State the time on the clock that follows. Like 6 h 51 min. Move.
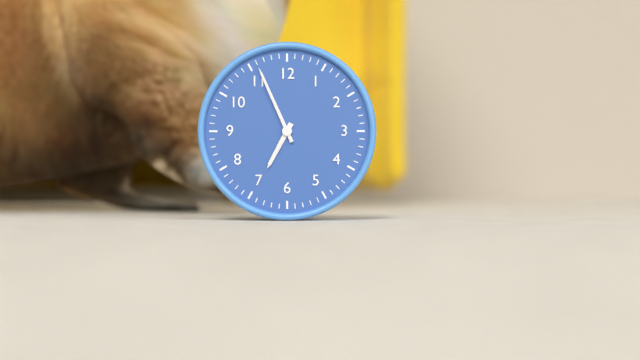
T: 6 h 56 min
